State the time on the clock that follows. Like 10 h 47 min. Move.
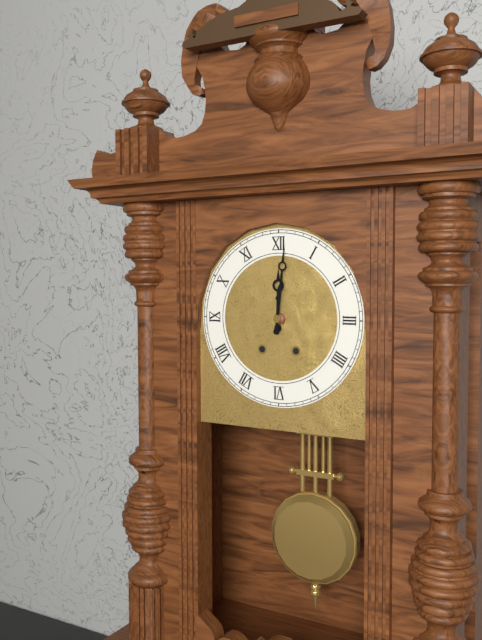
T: 12 h 01 min
